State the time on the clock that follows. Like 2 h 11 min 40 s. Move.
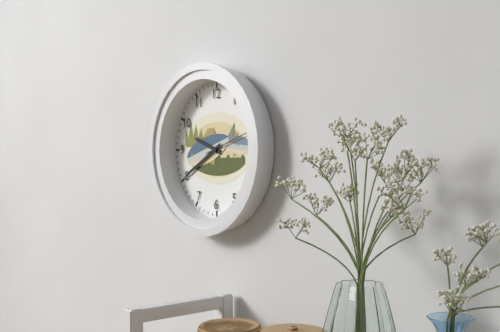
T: 9 h 40 min 12 s
